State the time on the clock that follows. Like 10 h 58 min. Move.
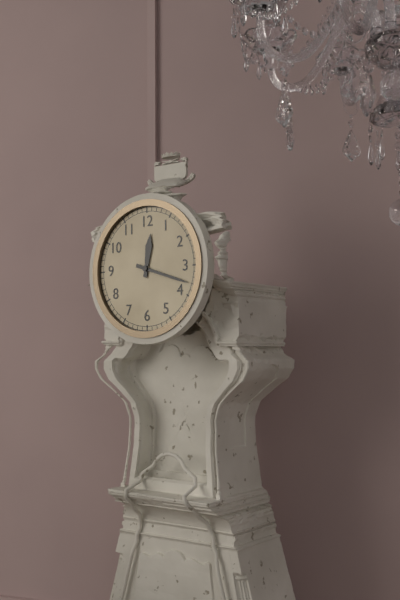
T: 12 h 18 min
